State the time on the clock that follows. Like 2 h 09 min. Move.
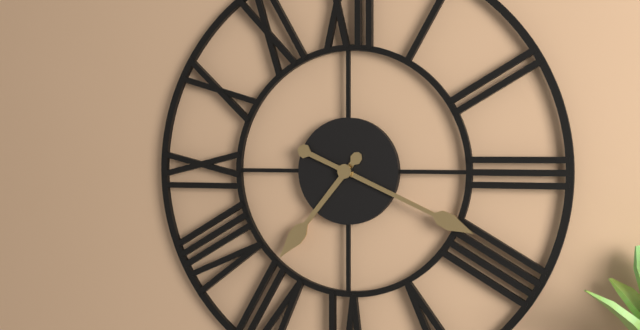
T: 7 h 19 min
